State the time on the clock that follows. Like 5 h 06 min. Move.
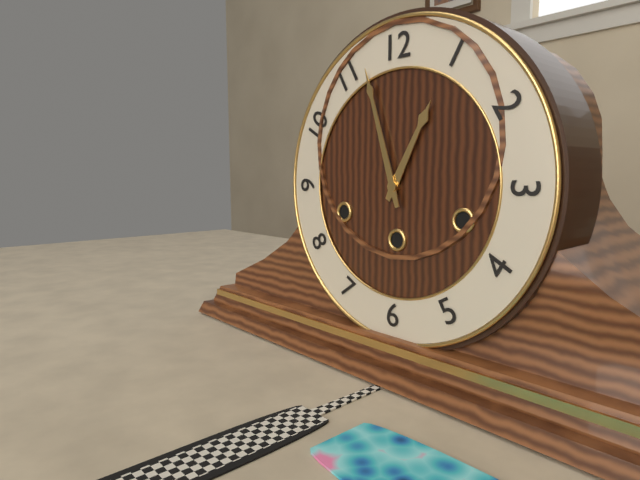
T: 12 h 57 min
